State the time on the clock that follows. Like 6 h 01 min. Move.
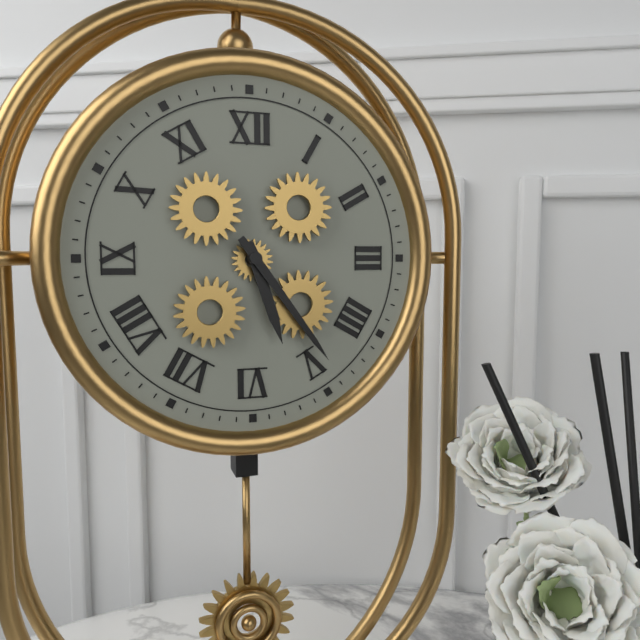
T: 5 h 24 min
